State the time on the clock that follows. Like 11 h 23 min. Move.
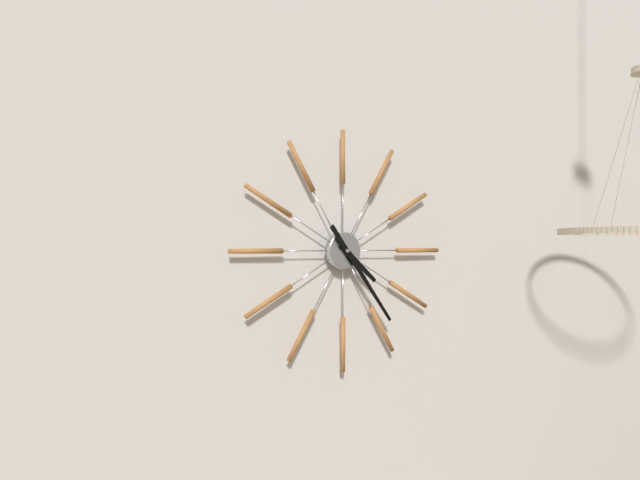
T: 4 h 24 min
